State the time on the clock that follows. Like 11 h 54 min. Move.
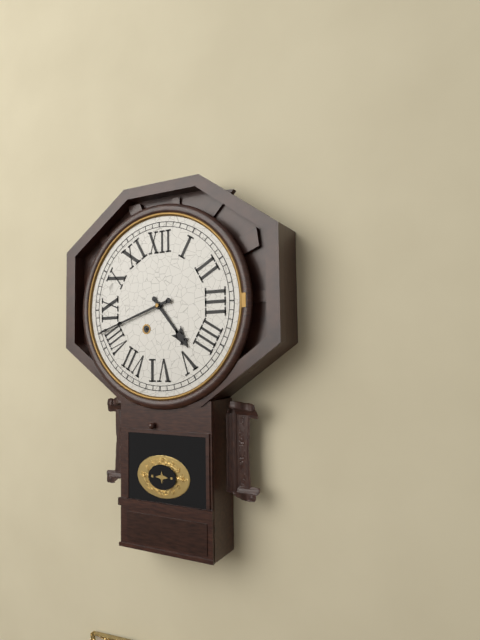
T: 4 h 42 min
